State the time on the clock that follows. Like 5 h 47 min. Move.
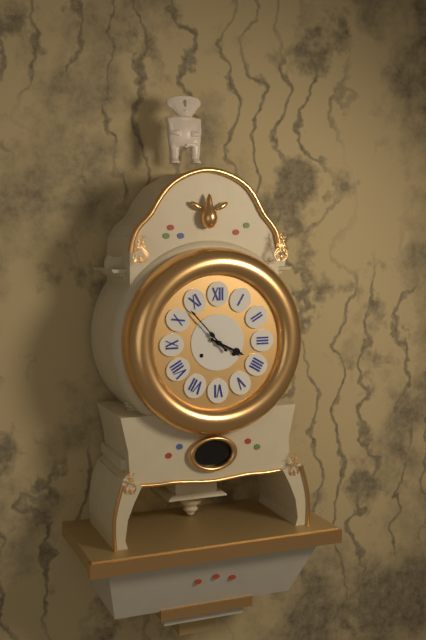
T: 3 h 53 min
